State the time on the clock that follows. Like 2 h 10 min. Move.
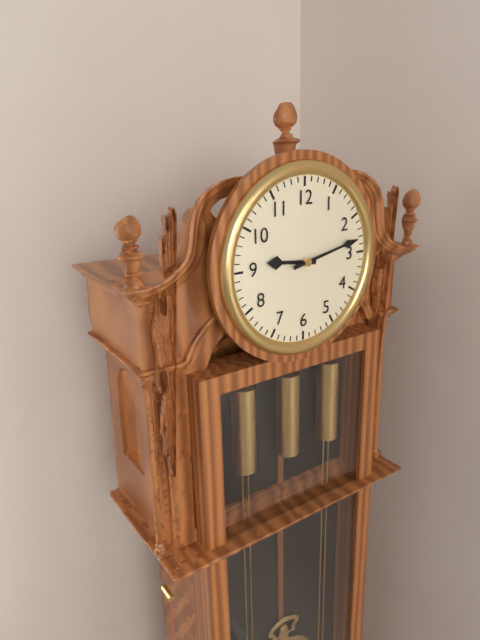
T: 9 h 13 min
